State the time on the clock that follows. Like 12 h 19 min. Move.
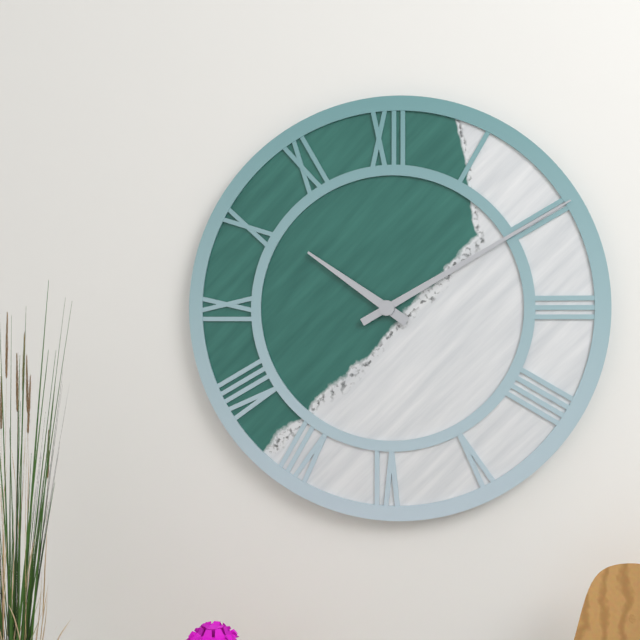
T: 10 h 10 min
